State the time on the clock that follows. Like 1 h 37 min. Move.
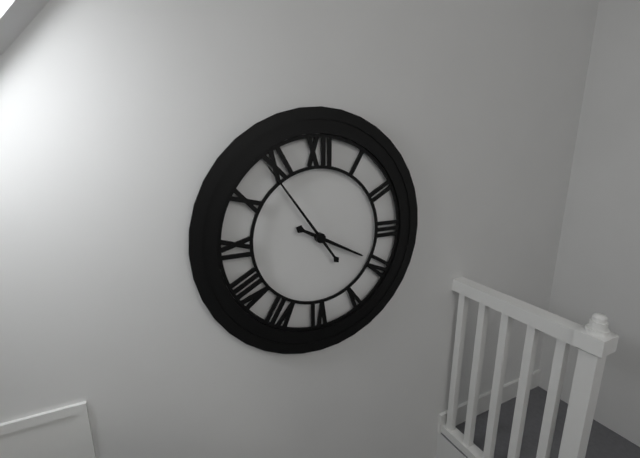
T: 3 h 54 min
